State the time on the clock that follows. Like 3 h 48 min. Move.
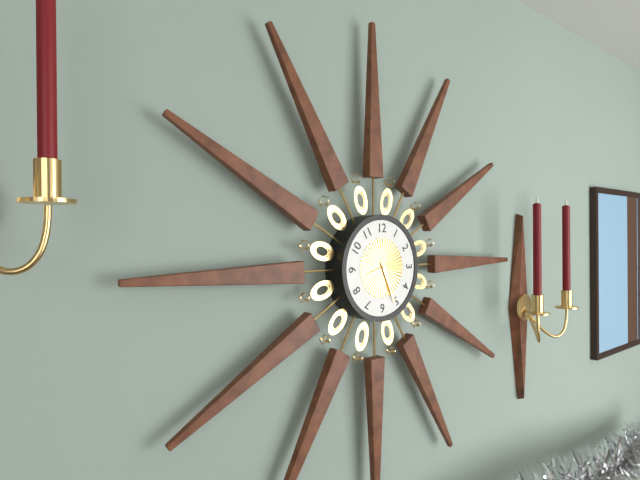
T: 8 h 26 min
